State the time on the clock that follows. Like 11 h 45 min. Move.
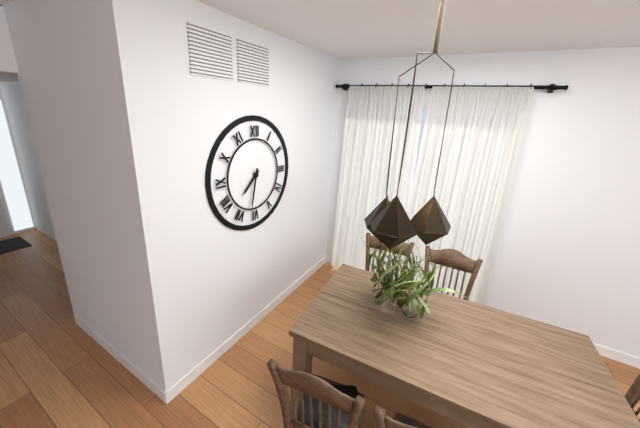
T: 7 h 32 min
